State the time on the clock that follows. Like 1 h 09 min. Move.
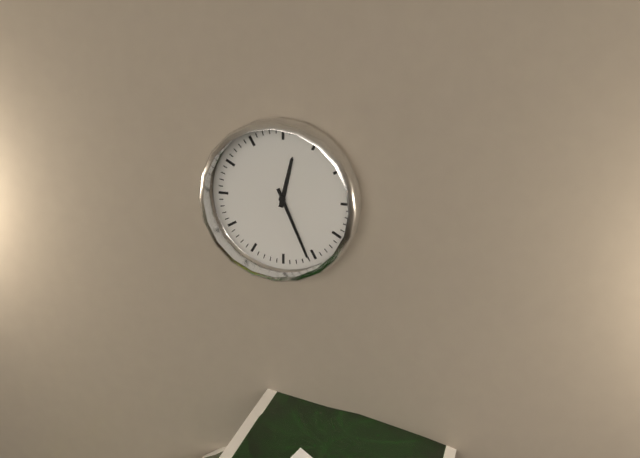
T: 12 h 26 min
